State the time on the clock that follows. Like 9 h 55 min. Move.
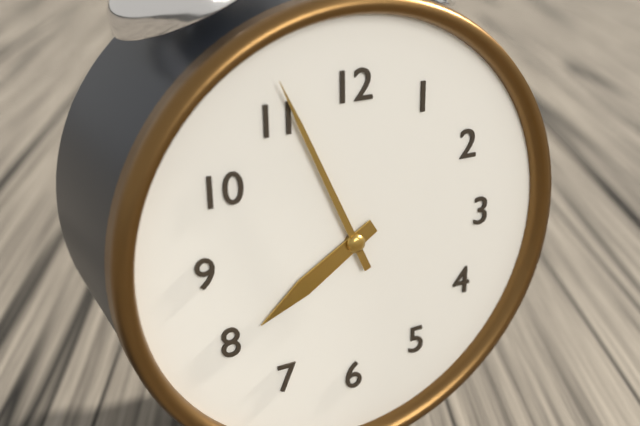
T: 7 h 56 min
